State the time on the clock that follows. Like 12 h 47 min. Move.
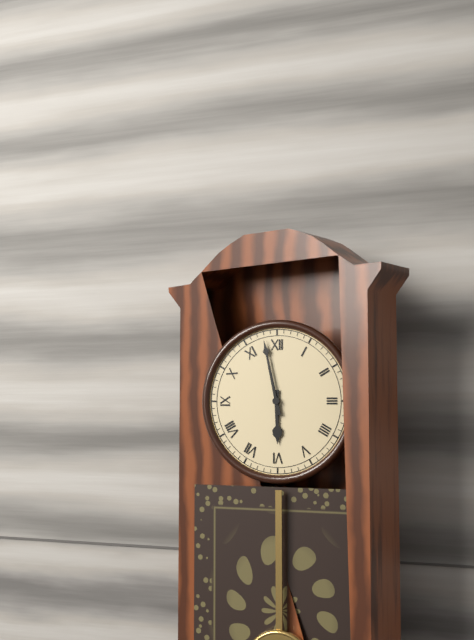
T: 5 h 58 min
